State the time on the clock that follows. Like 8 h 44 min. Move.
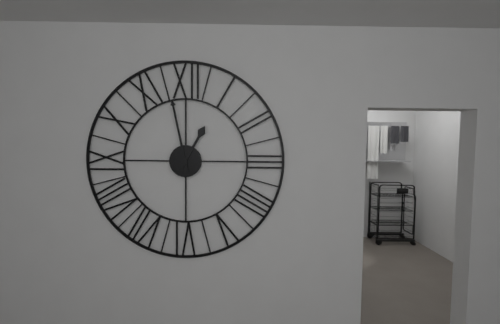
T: 12 h 58 min
